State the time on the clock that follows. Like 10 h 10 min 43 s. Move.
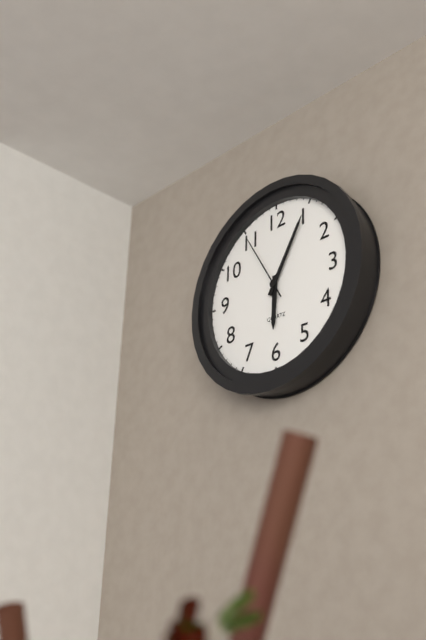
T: 6 h 05 min 55 s
